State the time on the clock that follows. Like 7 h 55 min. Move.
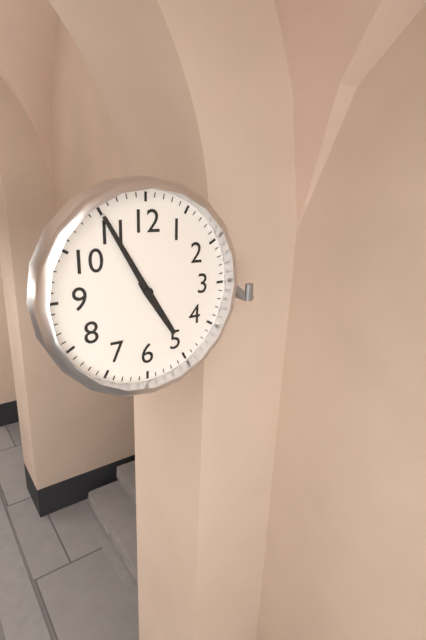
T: 4 h 55 min
